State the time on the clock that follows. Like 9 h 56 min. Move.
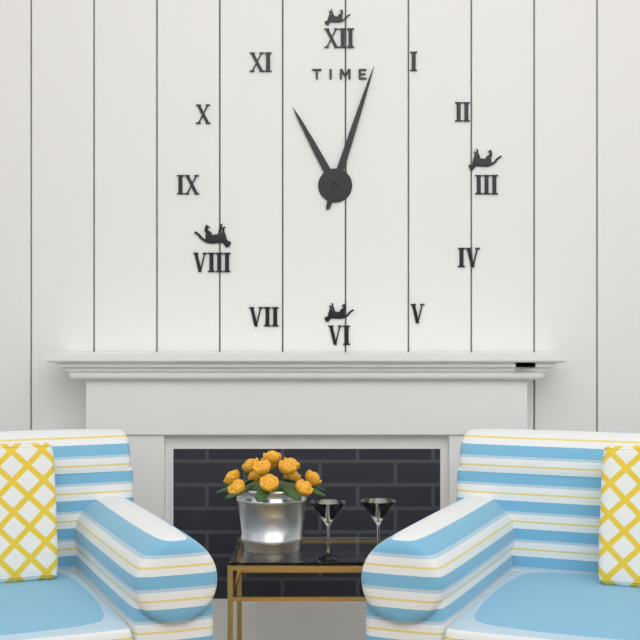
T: 11 h 03 min
